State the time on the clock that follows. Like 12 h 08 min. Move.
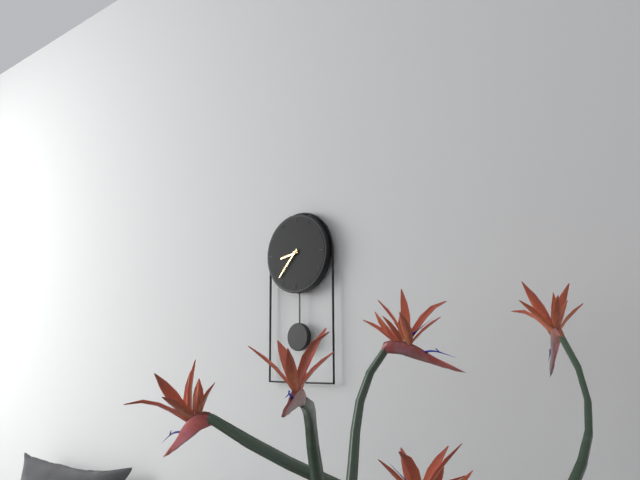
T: 8 h 37 min
